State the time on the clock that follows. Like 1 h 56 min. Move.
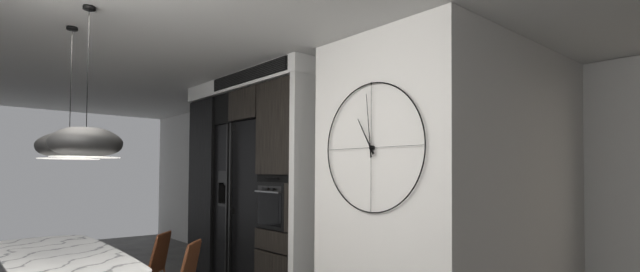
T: 10 h 59 min
